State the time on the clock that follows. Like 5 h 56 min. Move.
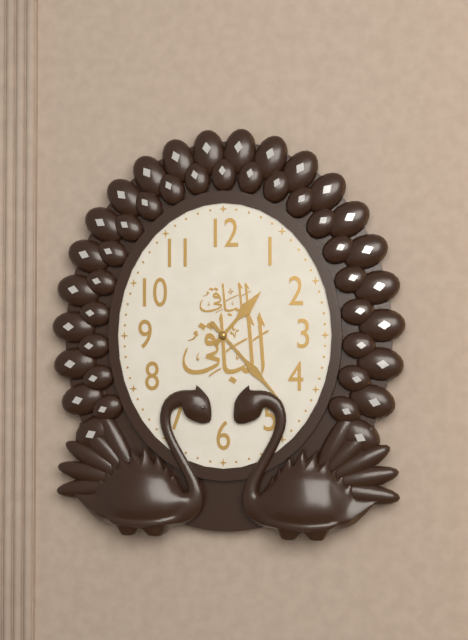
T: 1 h 23 min
